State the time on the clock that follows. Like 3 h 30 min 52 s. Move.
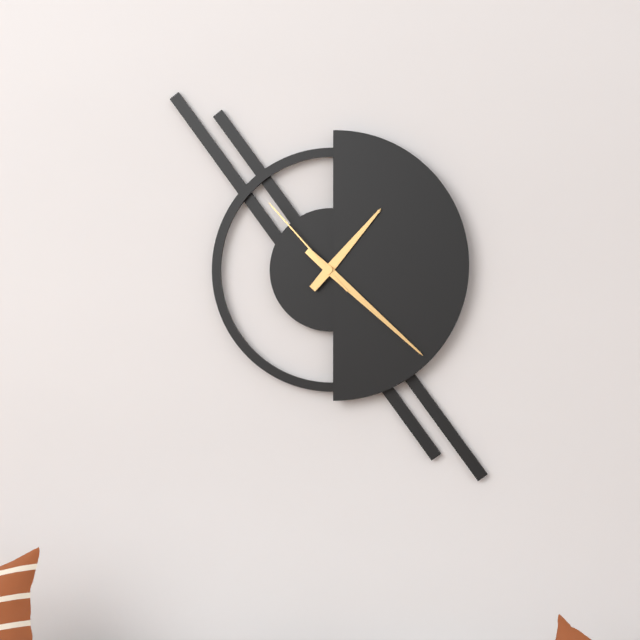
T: 1 h 22 min 53 s
